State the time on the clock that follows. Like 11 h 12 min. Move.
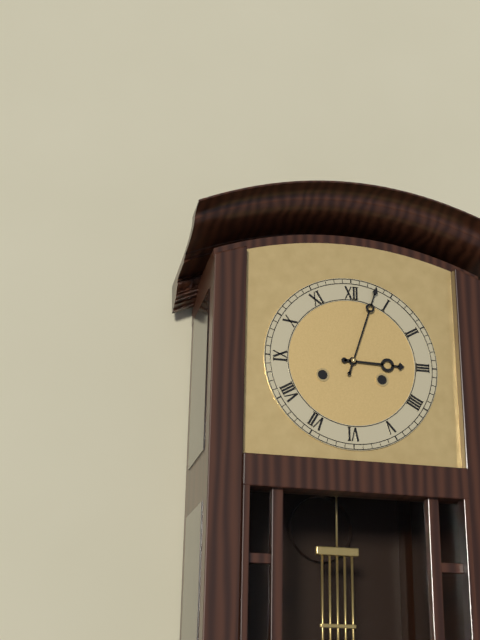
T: 3 h 03 min
